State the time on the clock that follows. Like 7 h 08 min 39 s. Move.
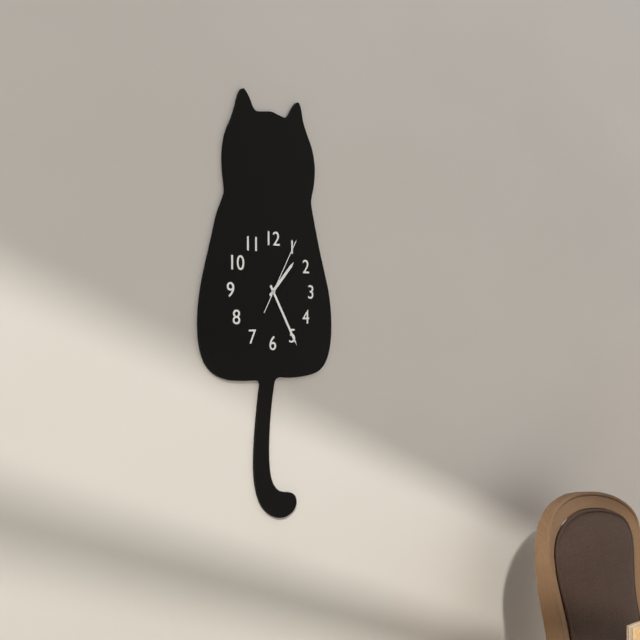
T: 1 h 25 min 05 s
